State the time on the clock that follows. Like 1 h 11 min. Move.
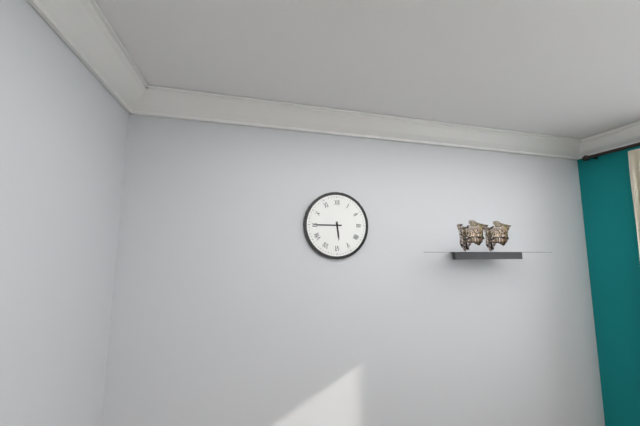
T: 5 h 45 min
